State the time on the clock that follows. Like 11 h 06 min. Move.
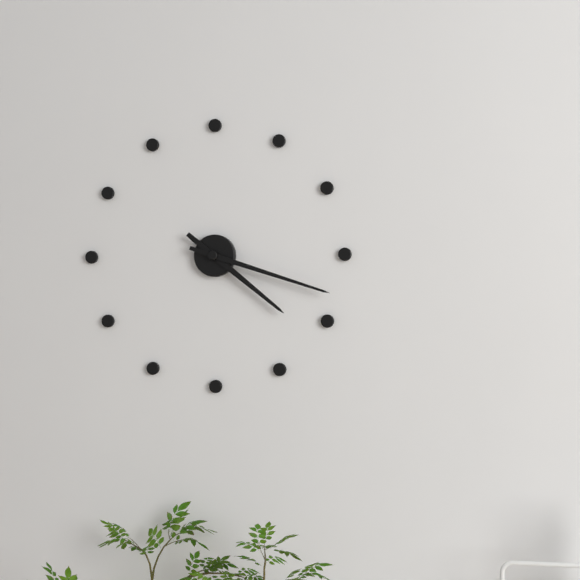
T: 4 h 18 min
